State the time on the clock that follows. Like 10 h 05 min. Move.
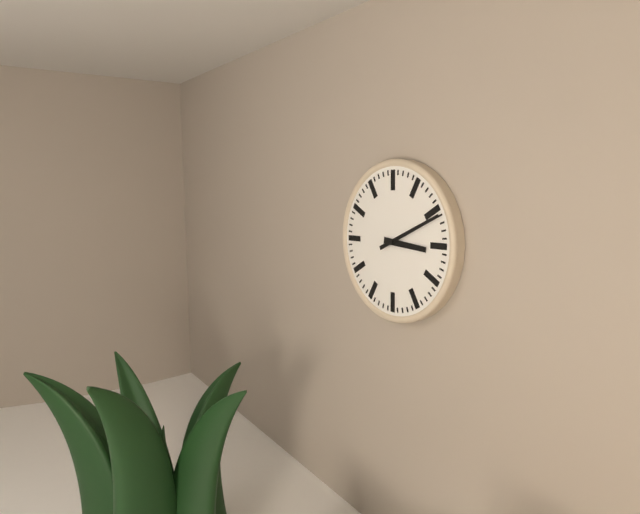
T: 3 h 11 min
